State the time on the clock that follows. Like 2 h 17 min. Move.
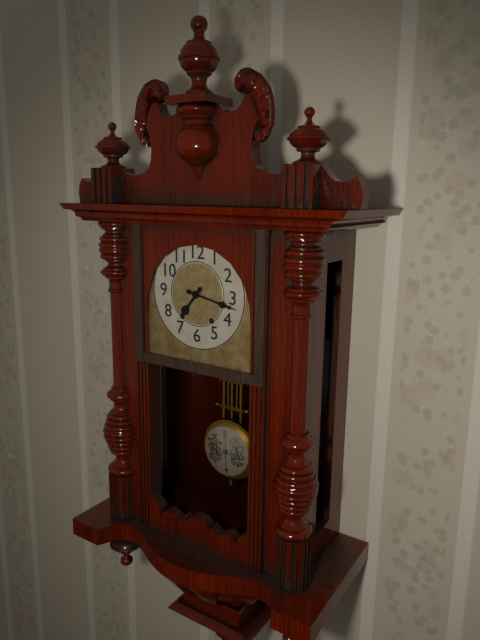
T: 7 h 17 min
